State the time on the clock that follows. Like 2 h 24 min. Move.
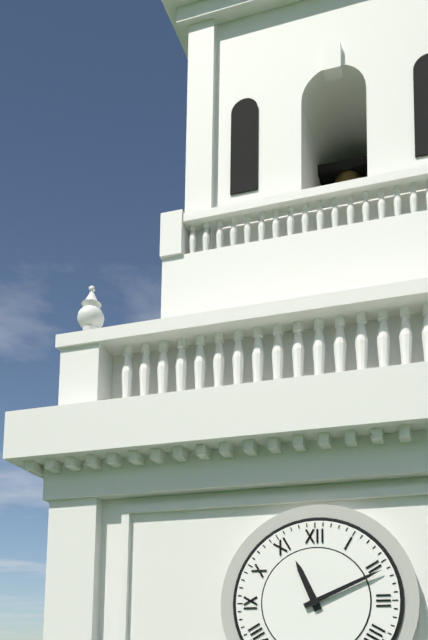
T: 11 h 11 min
